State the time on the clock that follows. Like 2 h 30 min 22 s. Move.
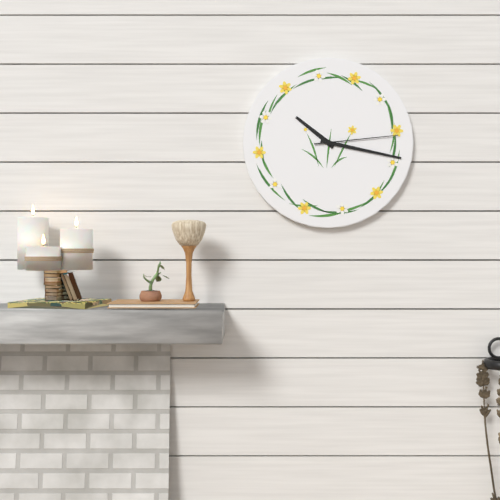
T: 10 h 17 min 14 s
